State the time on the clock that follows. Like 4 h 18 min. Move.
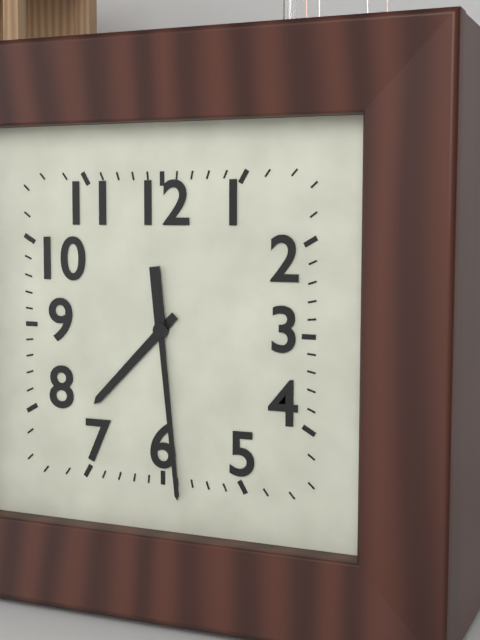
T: 7 h 29 min
